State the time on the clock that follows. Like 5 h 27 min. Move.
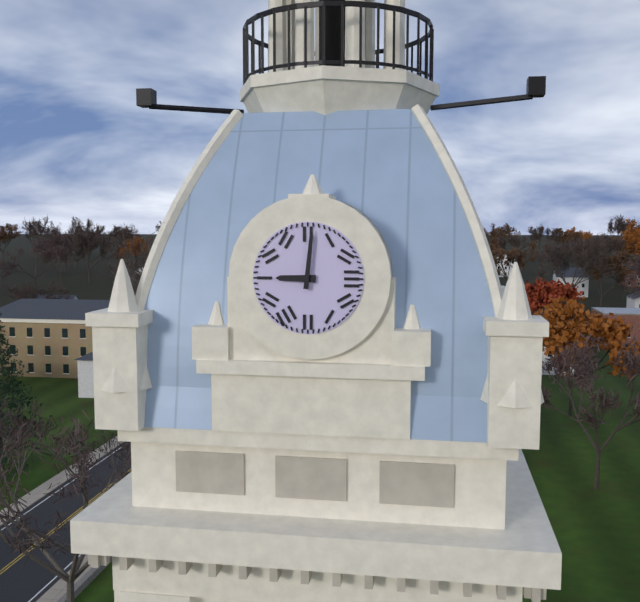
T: 9 h 01 min
